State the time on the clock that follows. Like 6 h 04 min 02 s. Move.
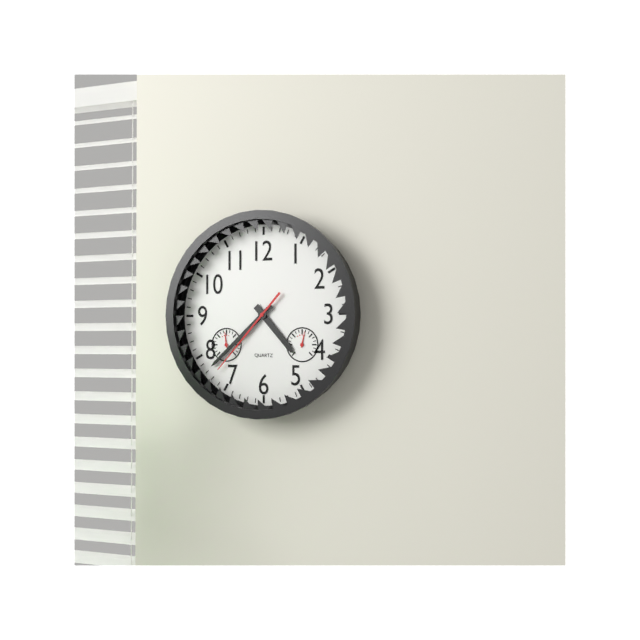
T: 4 h 38 min 37 s
